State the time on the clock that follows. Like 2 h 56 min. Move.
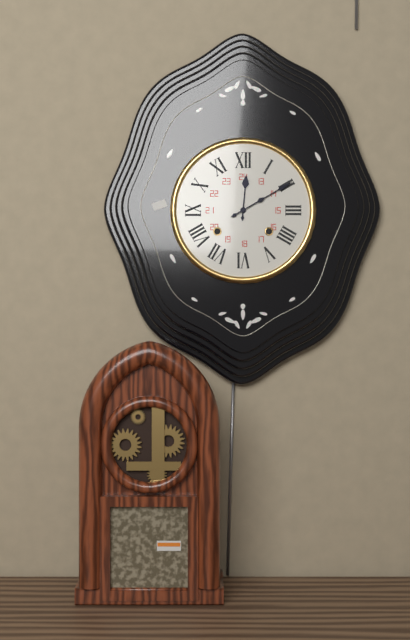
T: 12 h 10 min
